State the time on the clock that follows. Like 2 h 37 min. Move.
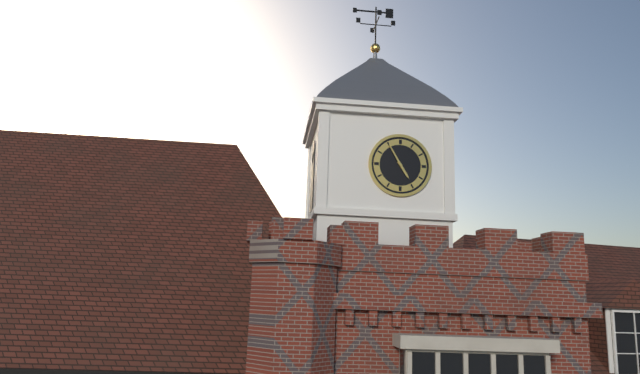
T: 4 h 55 min
